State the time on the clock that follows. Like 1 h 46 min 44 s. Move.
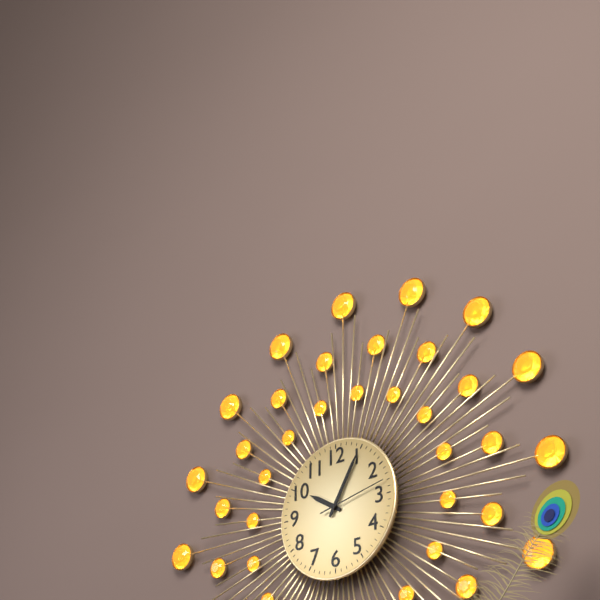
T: 10 h 05 min 13 s
